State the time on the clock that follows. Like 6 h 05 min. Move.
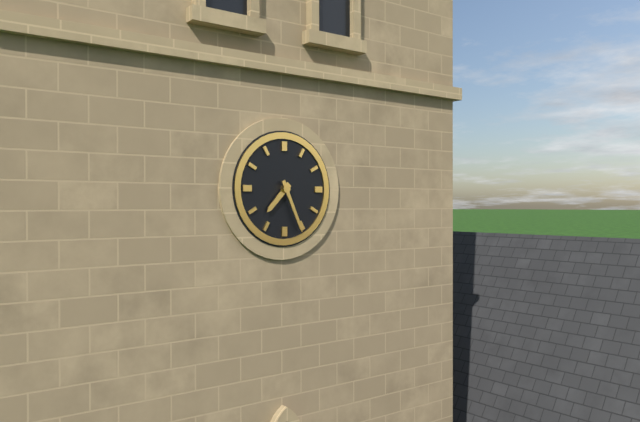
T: 7 h 26 min
